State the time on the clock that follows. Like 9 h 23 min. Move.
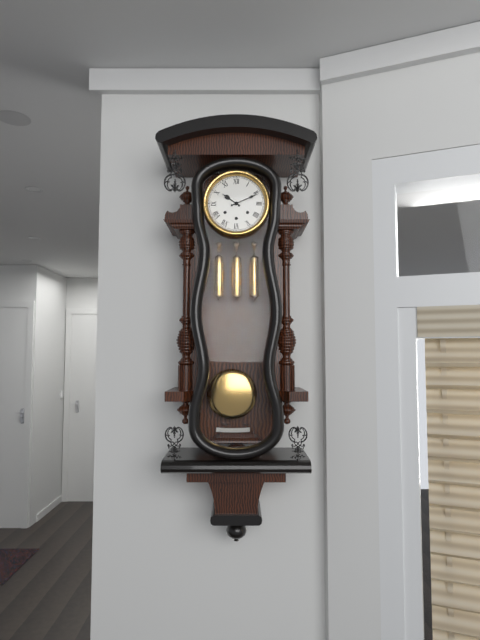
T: 10 h 11 min
